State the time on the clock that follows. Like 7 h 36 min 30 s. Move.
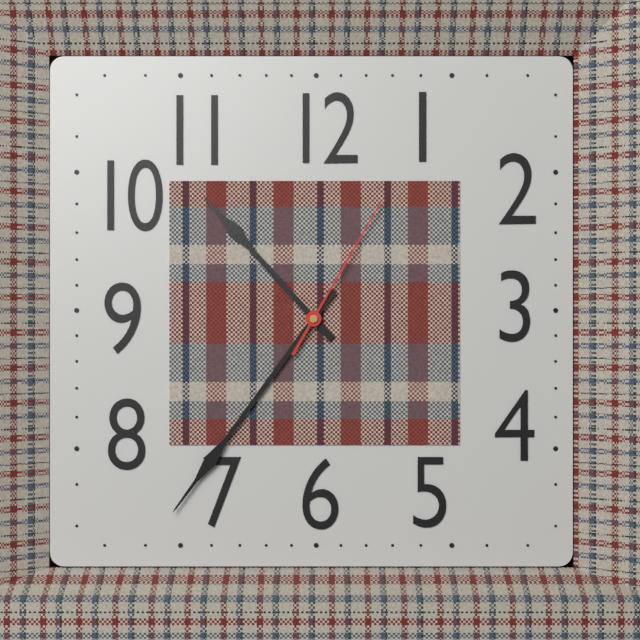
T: 10 h 36 min 05 s
